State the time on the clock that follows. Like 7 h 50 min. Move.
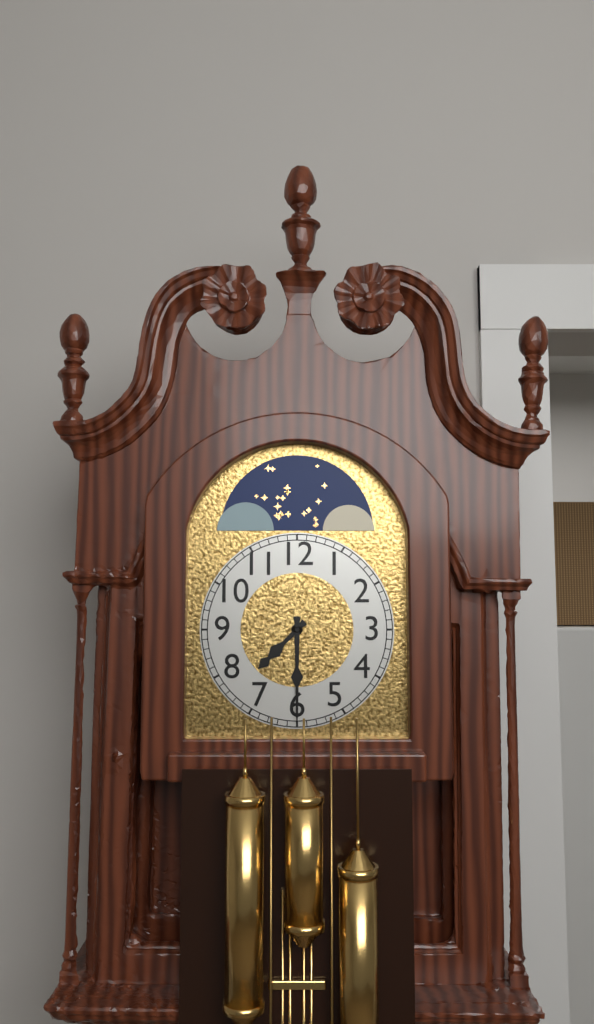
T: 7 h 30 min
